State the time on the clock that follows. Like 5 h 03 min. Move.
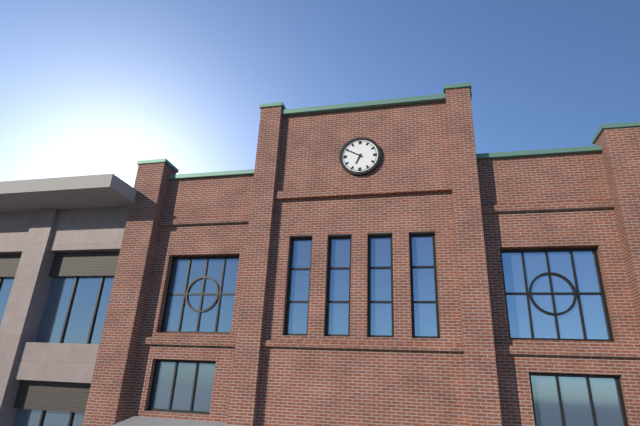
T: 6 h 50 min
